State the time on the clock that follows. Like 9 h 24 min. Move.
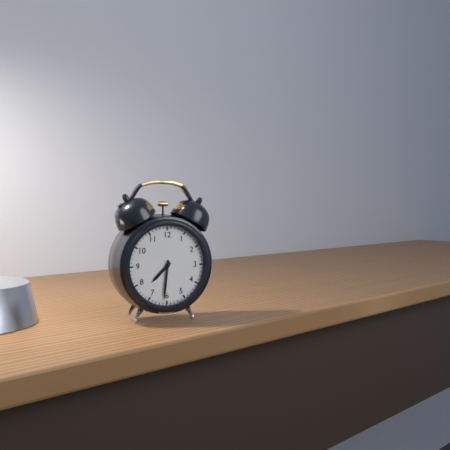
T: 7 h 31 min
